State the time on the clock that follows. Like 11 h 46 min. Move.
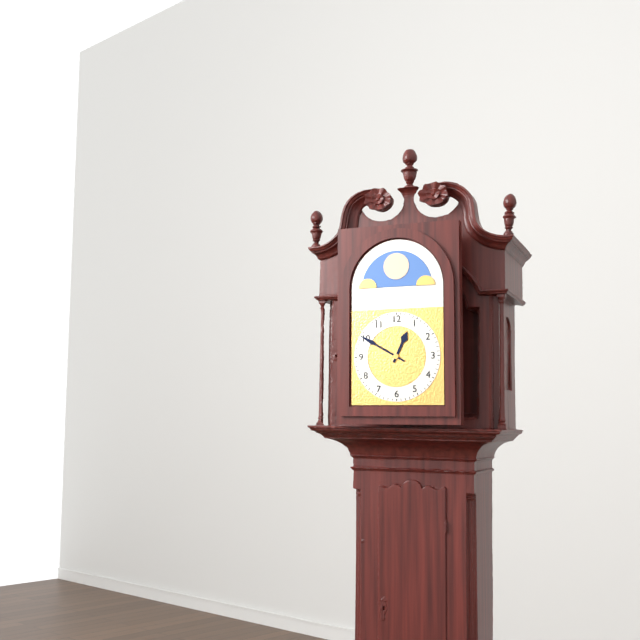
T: 12 h 50 min
